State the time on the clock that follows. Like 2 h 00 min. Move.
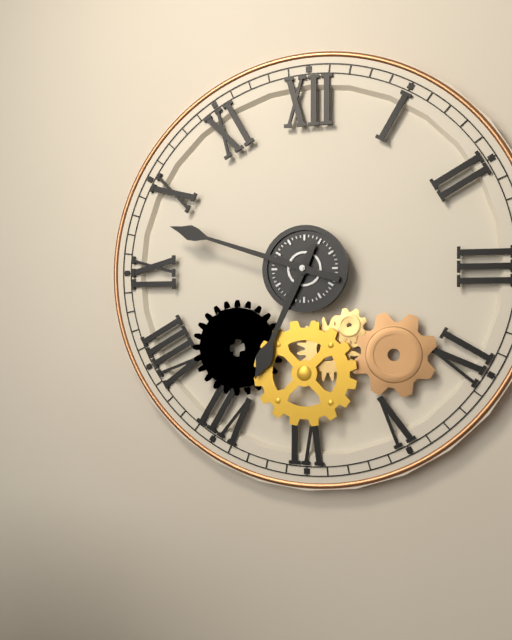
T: 6 h 48 min
